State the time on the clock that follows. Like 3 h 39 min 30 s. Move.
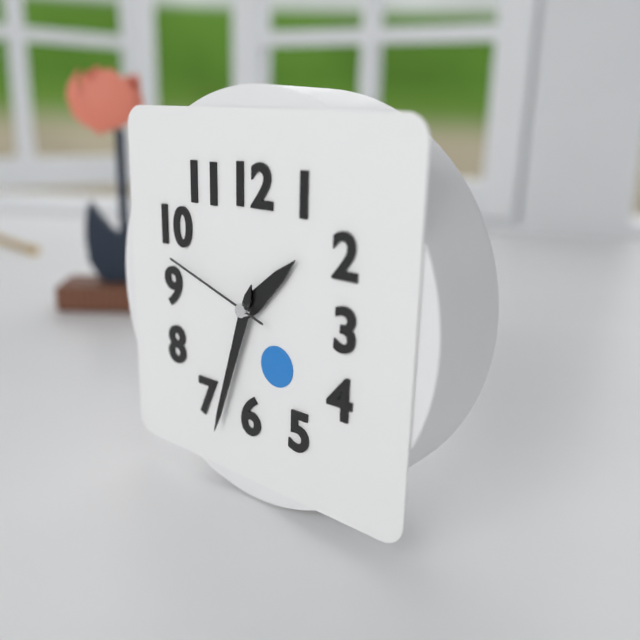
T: 1 h 33 min 48 s
